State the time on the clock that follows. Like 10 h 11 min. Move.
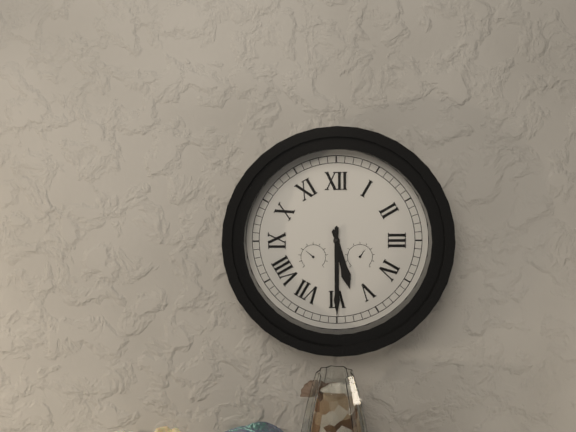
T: 5 h 30 min
